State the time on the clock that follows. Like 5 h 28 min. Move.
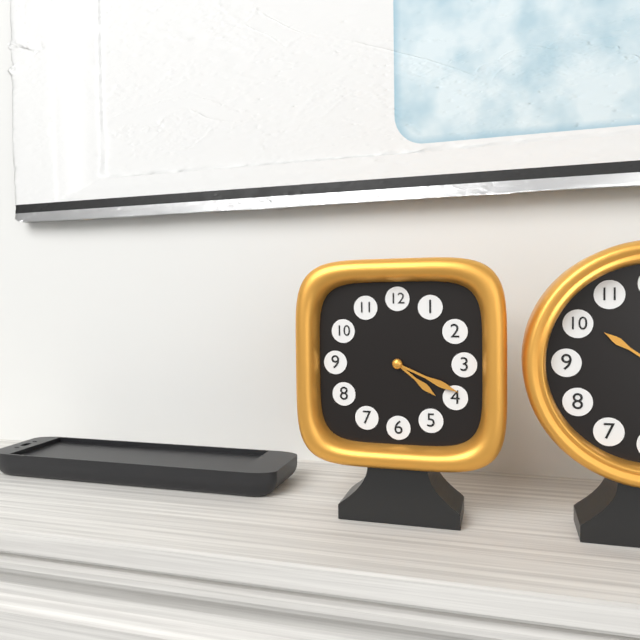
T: 4 h 19 min
